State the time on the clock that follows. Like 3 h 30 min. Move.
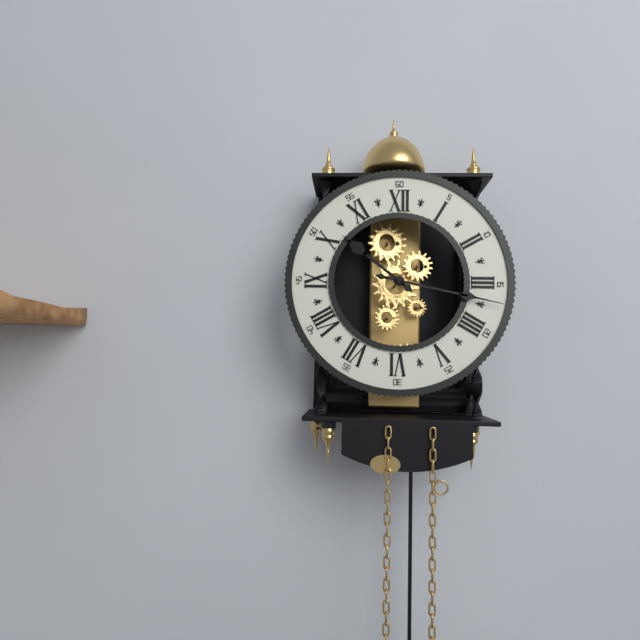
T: 10 h 17 min
